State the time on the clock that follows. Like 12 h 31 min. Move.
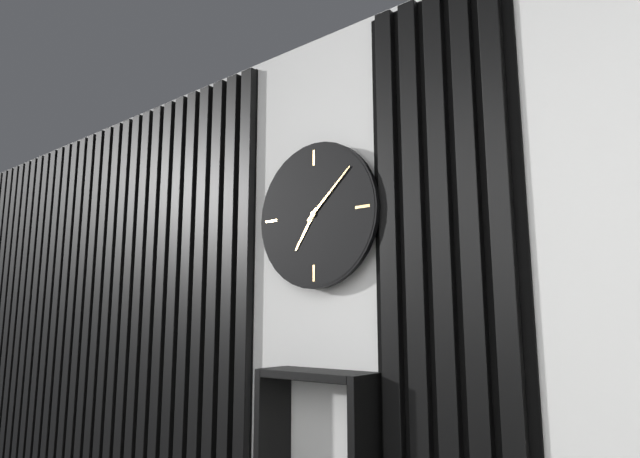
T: 7 h 08 min
